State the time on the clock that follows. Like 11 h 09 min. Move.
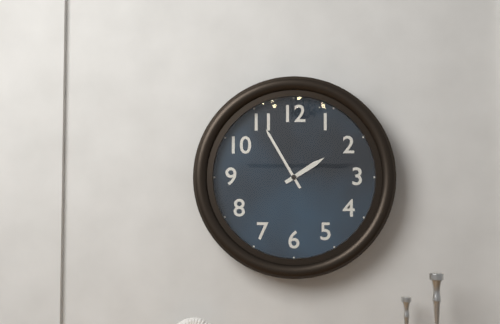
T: 1 h 55 min
